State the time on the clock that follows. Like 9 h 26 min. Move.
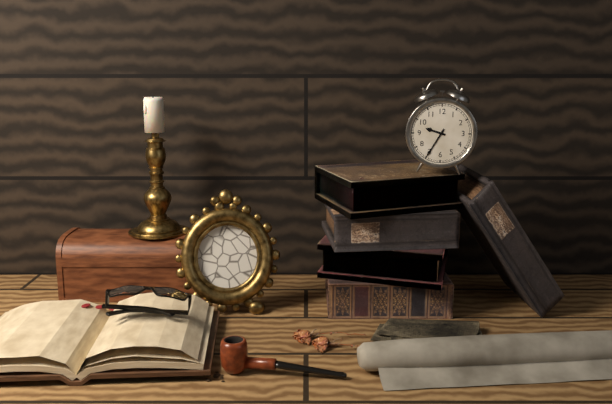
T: 9 h 35 min
